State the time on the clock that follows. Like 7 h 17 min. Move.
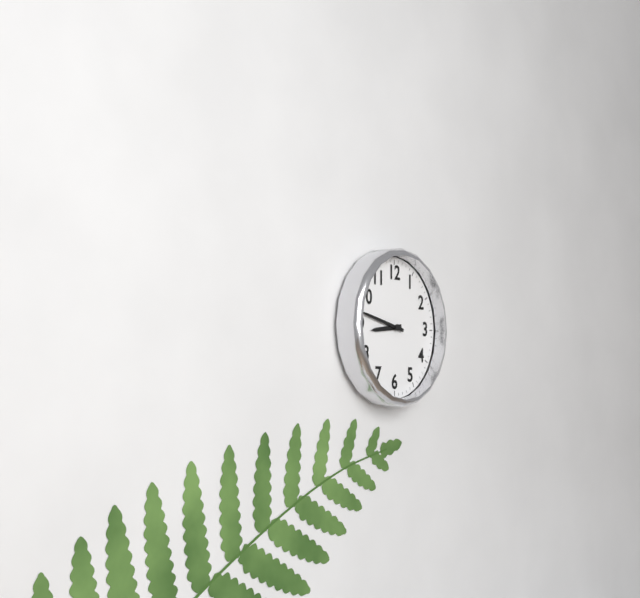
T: 8 h 47 min
